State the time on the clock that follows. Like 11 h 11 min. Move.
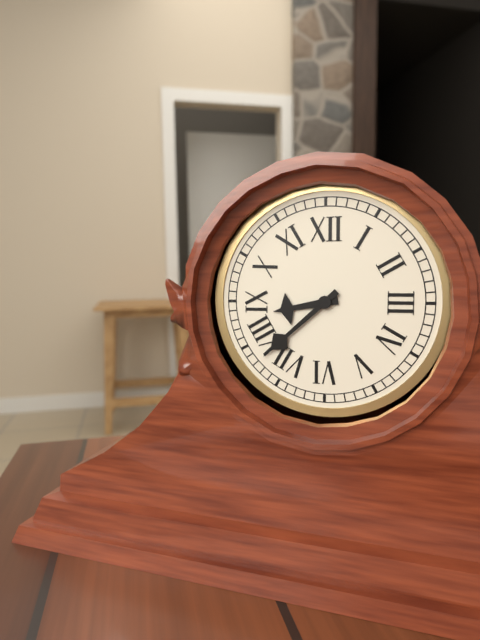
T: 8 h 38 min
